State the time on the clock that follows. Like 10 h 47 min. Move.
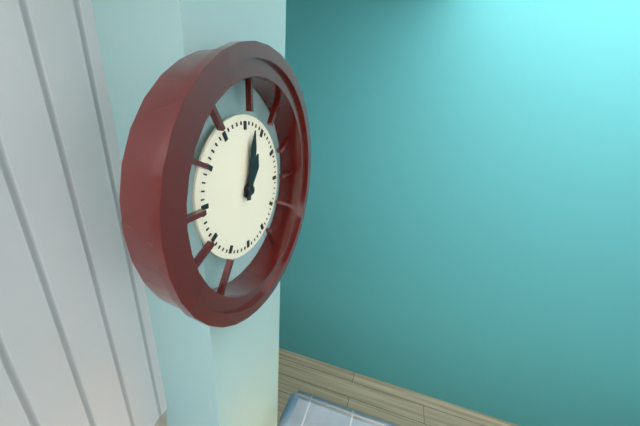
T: 1 h 02 min
